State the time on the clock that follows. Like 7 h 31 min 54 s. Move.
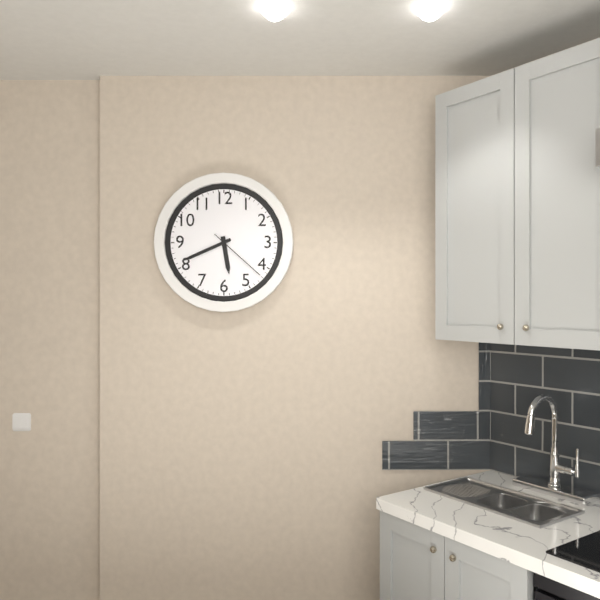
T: 5 h 41 min 22 s
